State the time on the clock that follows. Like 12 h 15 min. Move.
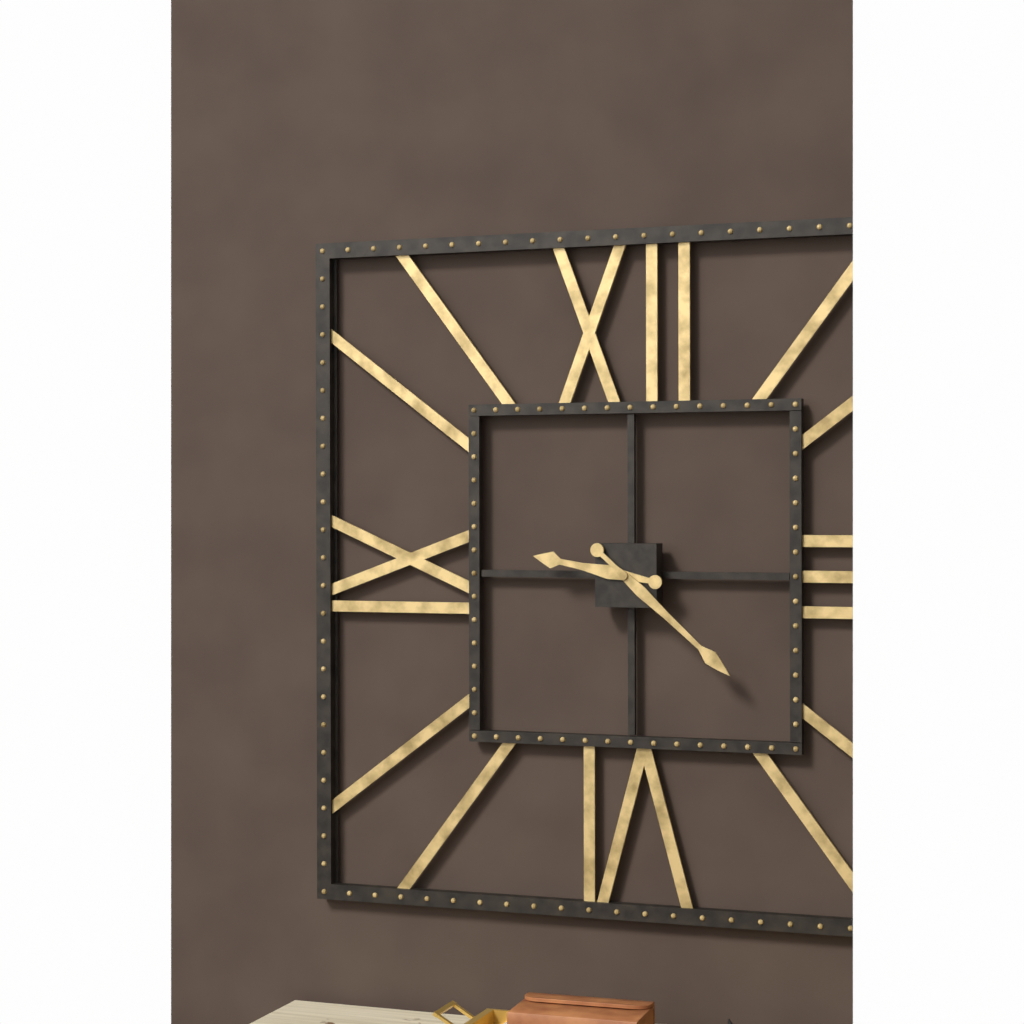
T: 9 h 22 min
